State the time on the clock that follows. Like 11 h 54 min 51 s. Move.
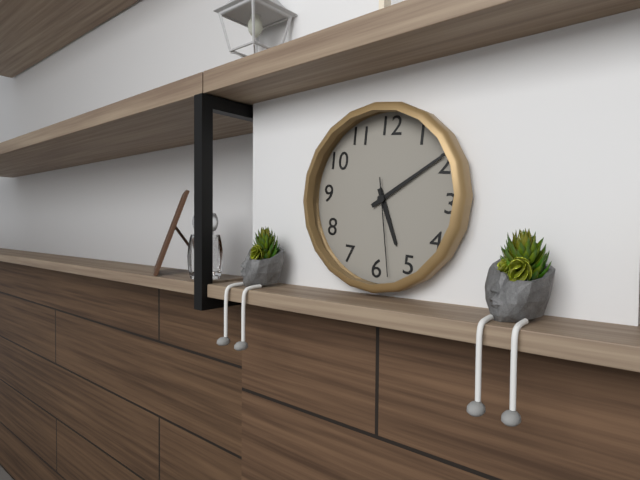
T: 5 h 09 min 28 s
